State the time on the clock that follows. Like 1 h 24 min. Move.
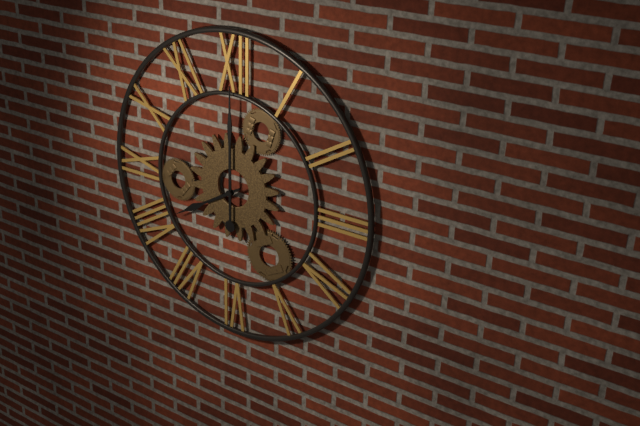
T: 8 h 00 min
